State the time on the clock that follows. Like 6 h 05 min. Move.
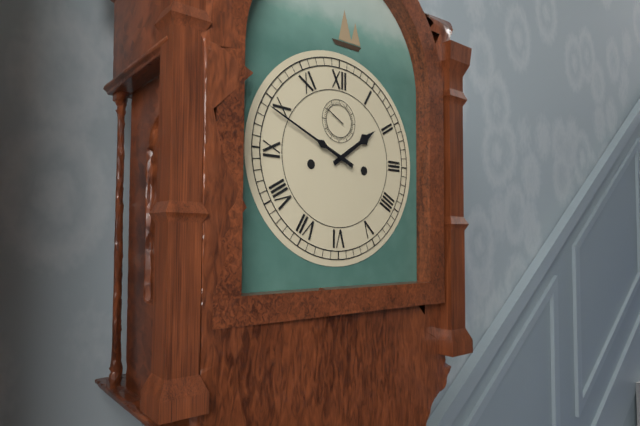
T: 1 h 49 min
